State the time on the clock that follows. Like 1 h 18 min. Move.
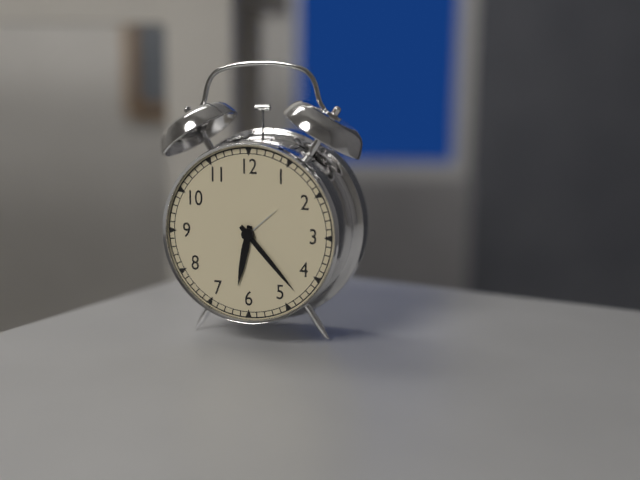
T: 6 h 23 min
